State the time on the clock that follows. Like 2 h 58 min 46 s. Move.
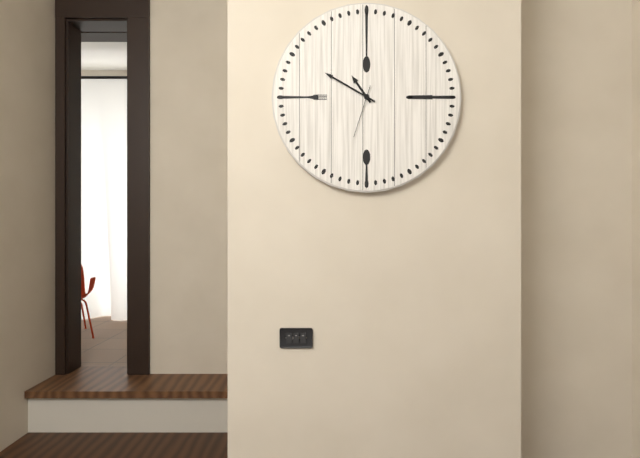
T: 10 h 50 min 33 s
